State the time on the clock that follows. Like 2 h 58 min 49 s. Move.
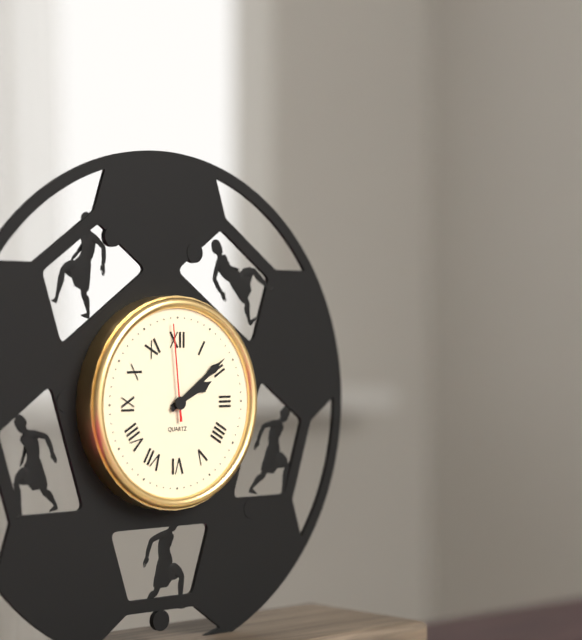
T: 2 h 09 min 59 s
